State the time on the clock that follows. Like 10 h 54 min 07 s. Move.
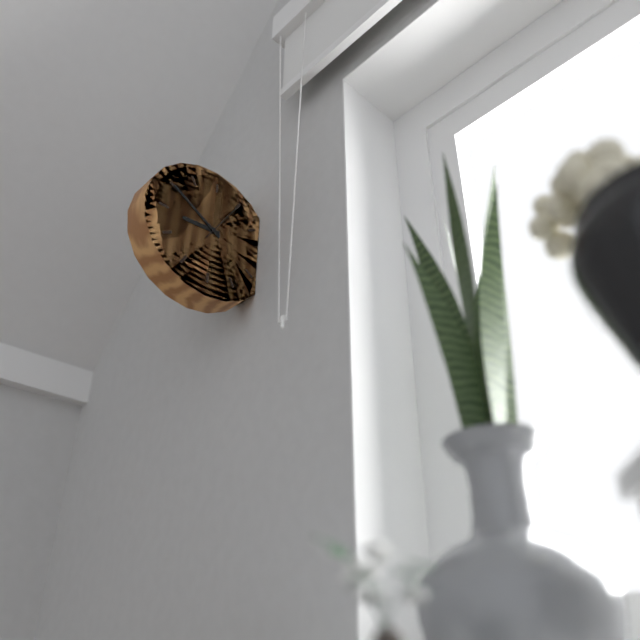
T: 8 h 50 min 05 s
